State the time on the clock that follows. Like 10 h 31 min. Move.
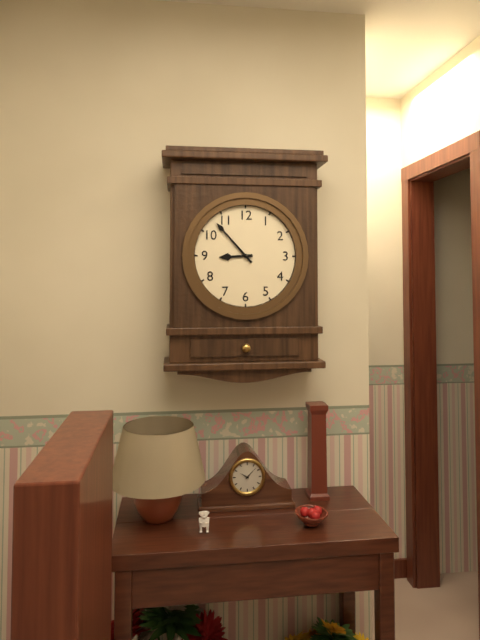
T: 8 h 53 min
